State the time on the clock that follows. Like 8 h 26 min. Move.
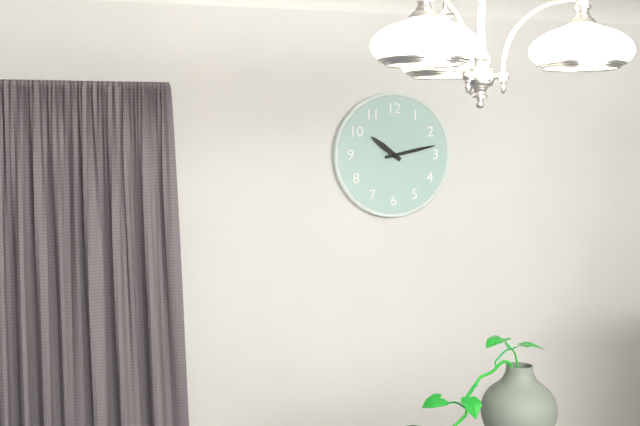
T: 10 h 13 min
